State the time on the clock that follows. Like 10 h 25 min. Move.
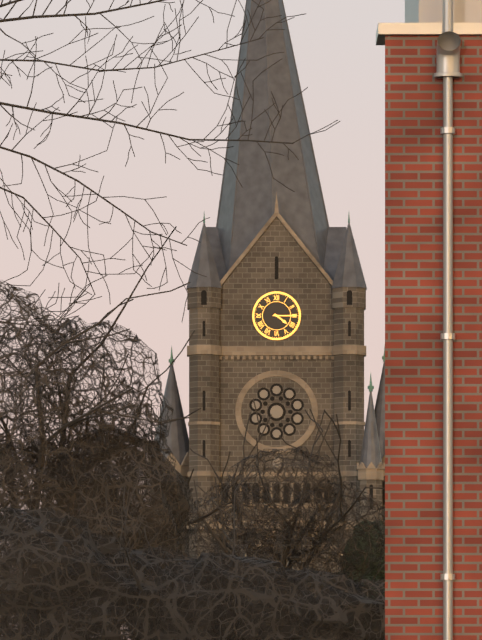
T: 4 h 15 min
